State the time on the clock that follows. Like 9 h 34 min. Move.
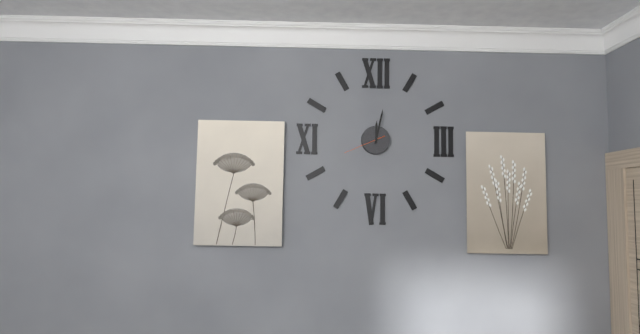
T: 12 h 02 min
